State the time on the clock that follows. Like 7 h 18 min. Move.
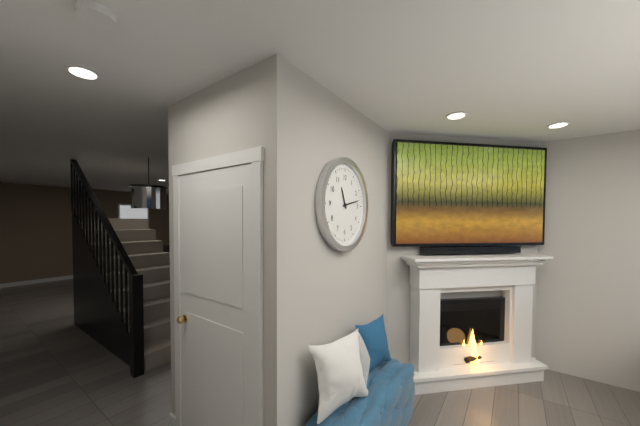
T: 11 h 13 min
